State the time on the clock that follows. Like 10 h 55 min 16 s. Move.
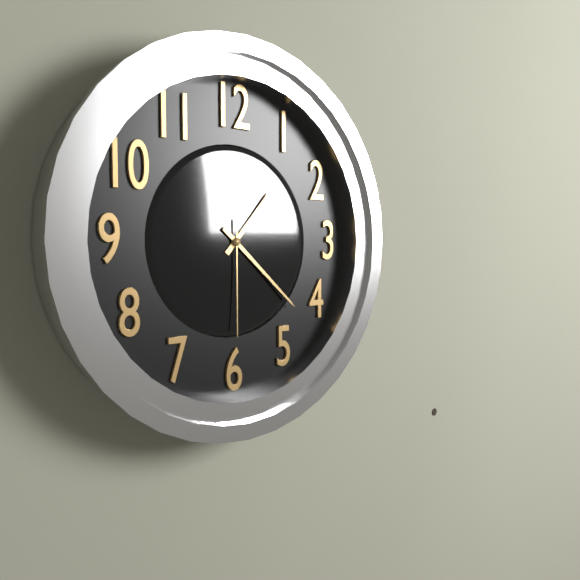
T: 1 h 22 min 30 s
